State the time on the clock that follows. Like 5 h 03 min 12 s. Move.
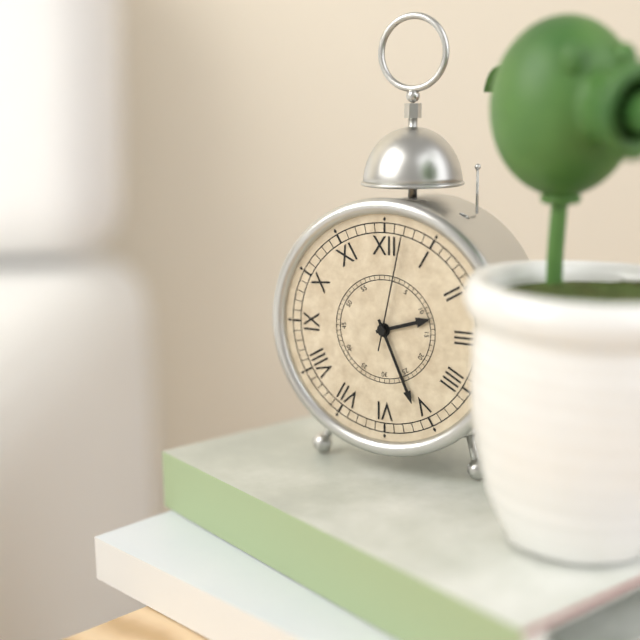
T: 2 h 26 min 02 s
